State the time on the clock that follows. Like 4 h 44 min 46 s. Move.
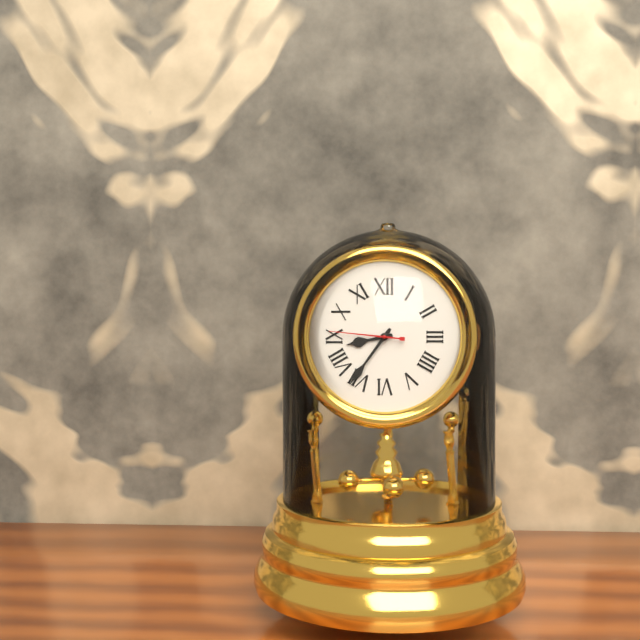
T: 8 h 36 min 46 s
